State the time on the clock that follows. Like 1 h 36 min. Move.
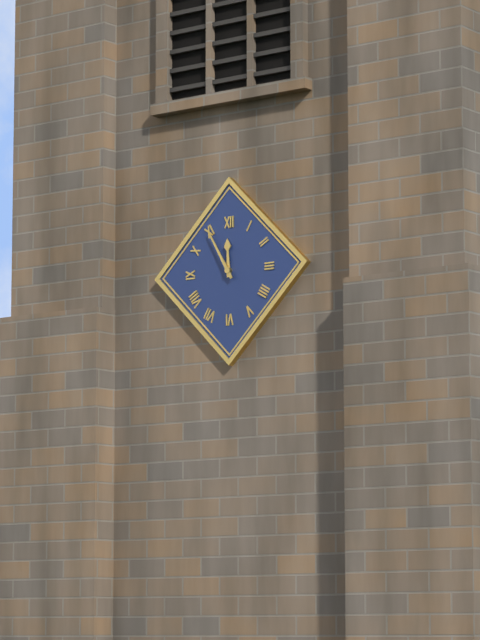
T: 11 h 55 min
